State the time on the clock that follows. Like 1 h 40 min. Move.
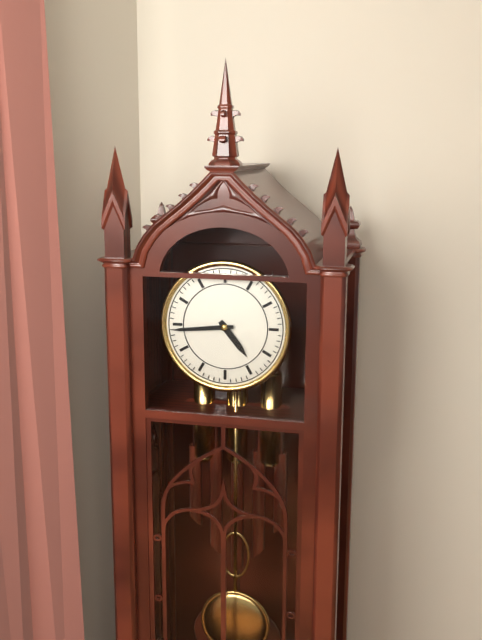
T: 4 h 44 min
